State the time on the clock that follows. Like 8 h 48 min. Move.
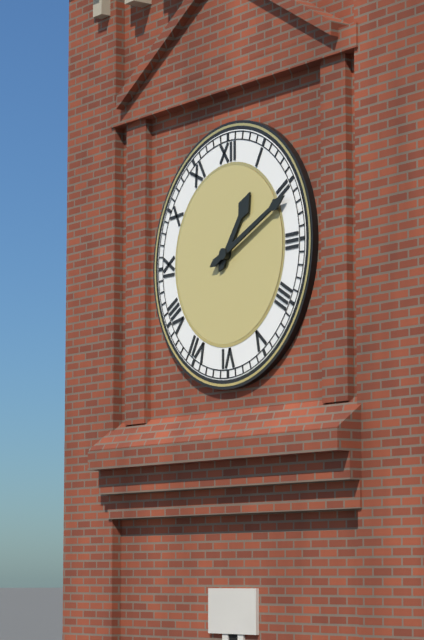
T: 1 h 11 min
